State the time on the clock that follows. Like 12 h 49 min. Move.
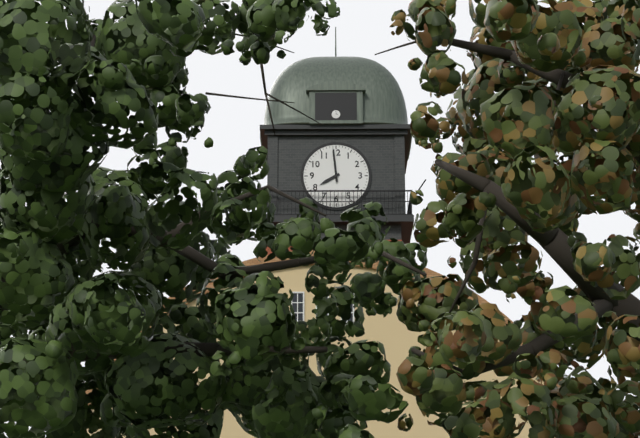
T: 7 h 59 min
